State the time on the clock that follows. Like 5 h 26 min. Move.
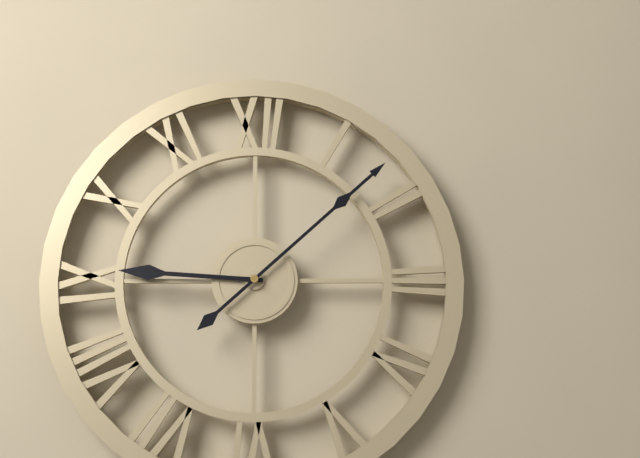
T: 9 h 08 min
